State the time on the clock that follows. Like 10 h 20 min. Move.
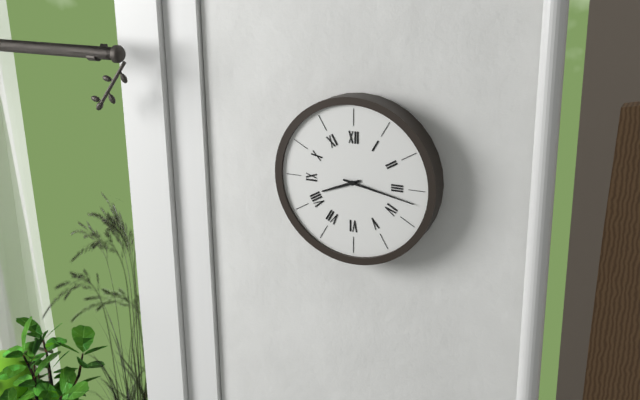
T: 8 h 17 min
